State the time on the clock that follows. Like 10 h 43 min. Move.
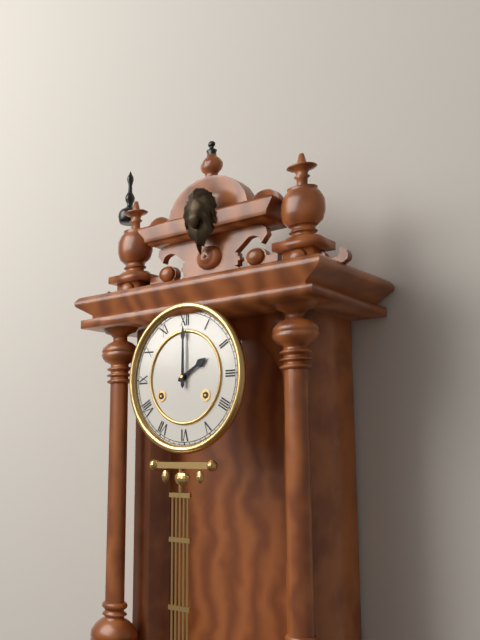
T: 2 h 00 min
